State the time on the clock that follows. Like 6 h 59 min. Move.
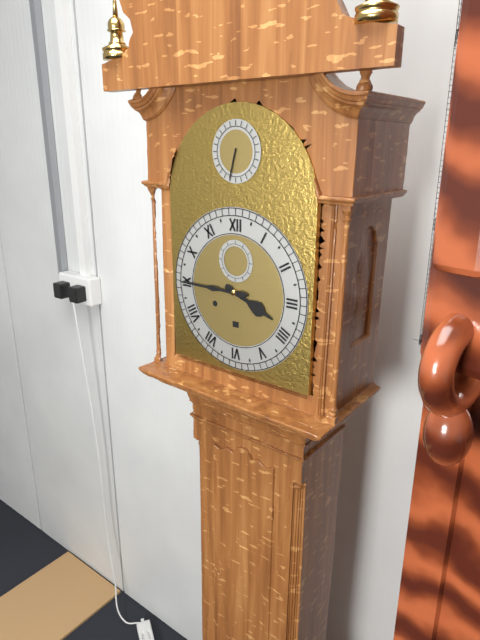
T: 3 h 45 min
